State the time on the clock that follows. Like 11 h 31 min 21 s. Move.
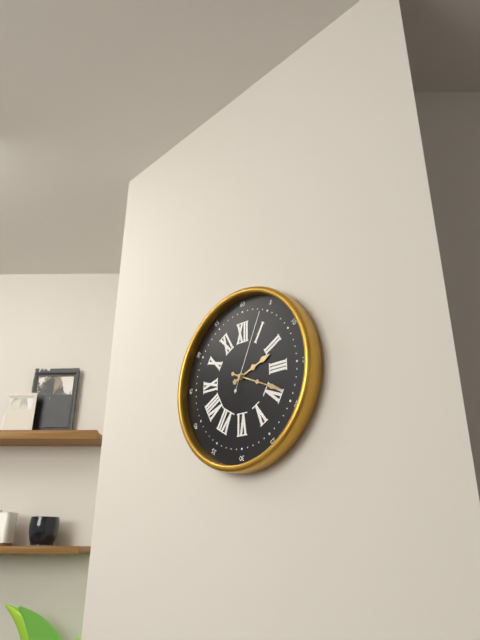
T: 2 h 19 min 04 s
